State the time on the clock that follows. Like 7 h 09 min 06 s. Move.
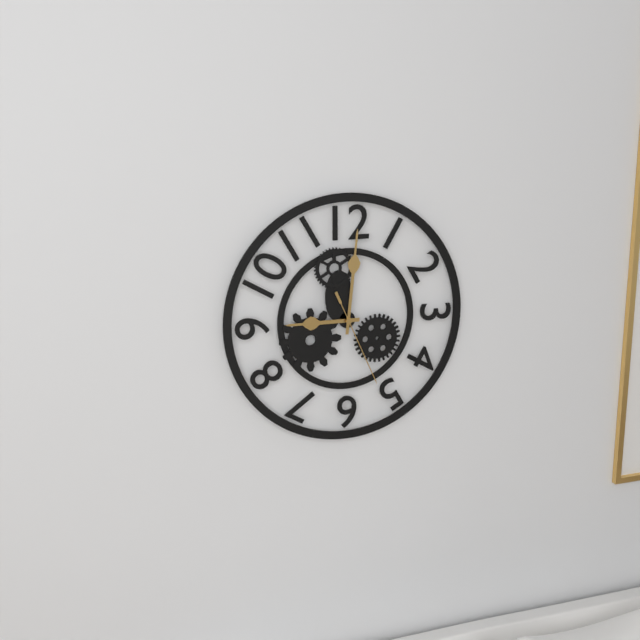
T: 9 h 01 min 26 s
